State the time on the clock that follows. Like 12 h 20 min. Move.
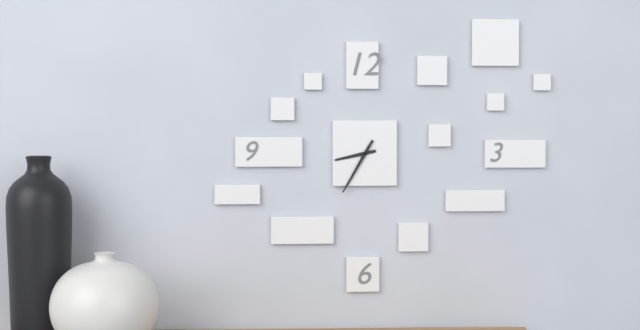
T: 8 h 35 min
